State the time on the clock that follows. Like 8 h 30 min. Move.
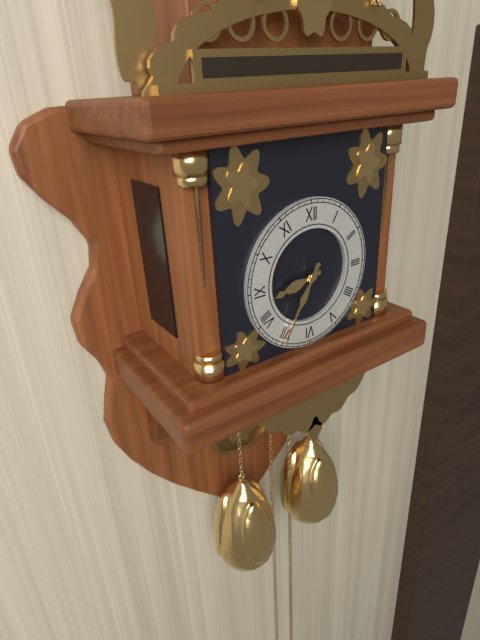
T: 8 h 35 min
